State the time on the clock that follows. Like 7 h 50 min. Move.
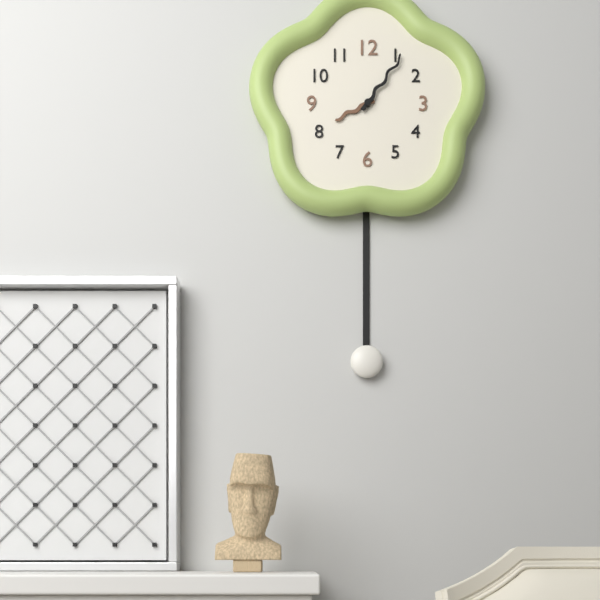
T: 8 h 06 min
